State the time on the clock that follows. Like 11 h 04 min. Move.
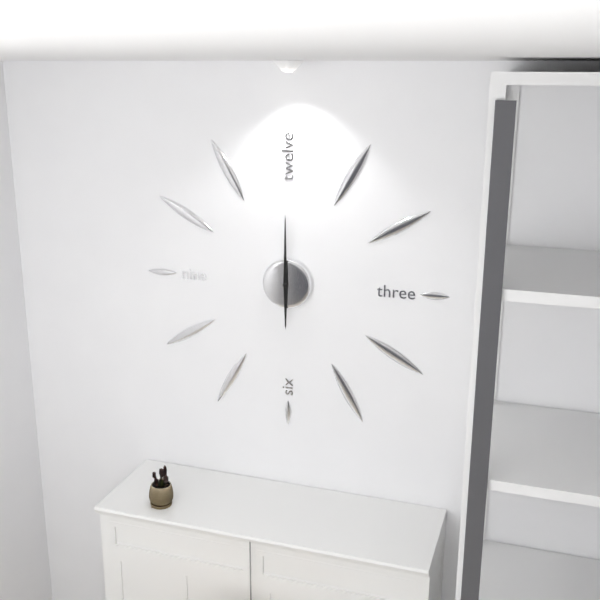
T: 6 h 00 min
